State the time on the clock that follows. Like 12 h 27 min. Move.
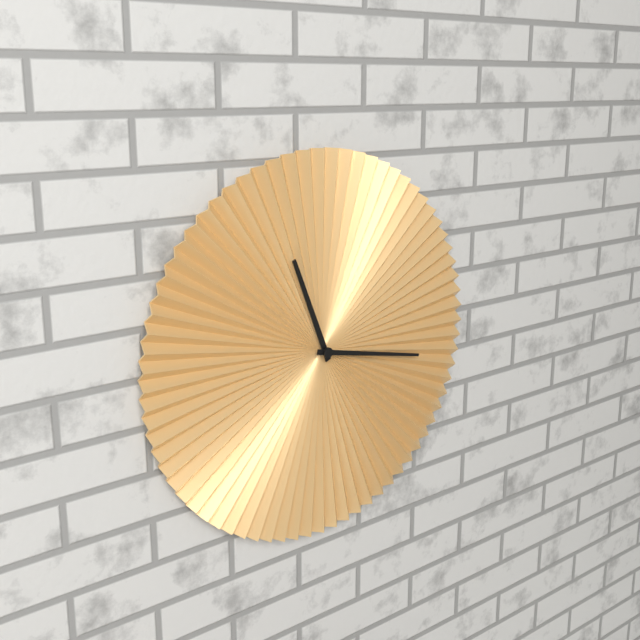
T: 11 h 17 min
